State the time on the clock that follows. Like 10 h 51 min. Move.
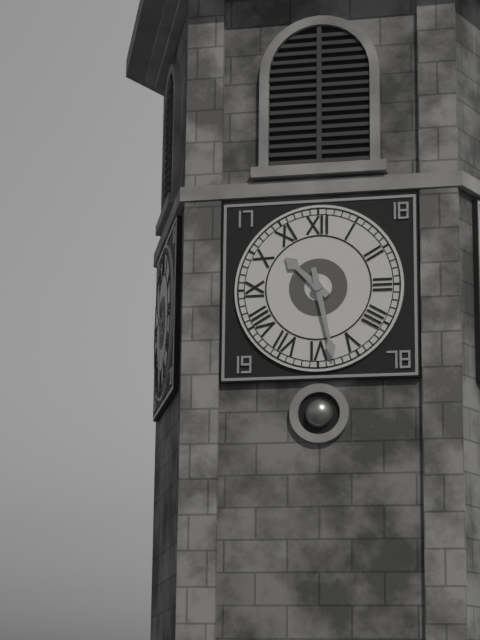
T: 10 h 28 min
